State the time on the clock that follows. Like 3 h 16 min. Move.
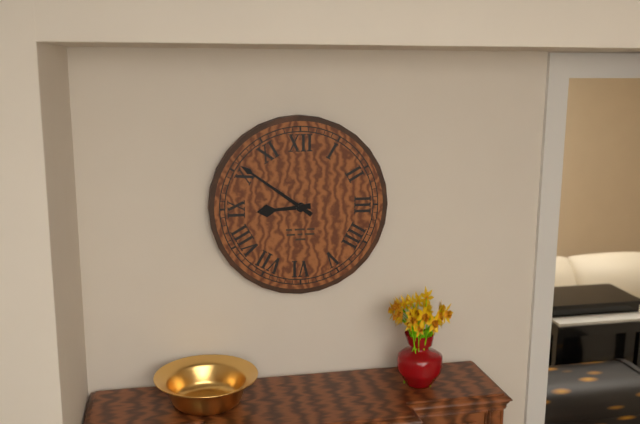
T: 8 h 51 min
